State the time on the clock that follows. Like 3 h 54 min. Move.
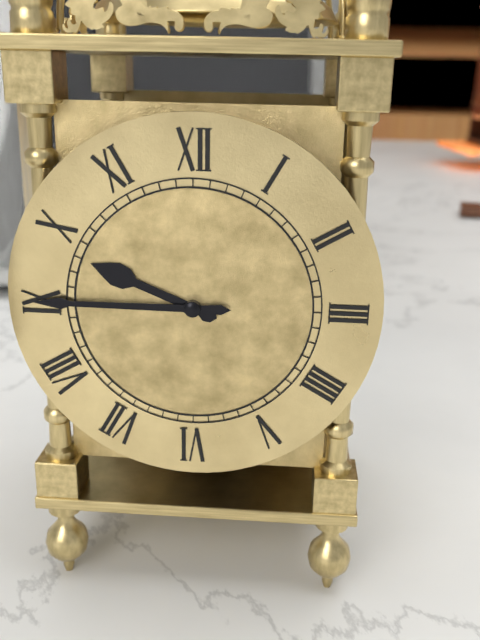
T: 9 h 45 min
